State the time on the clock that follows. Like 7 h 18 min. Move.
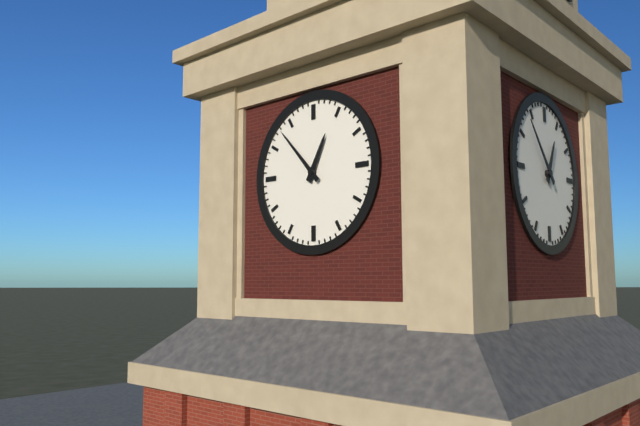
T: 12 h 53 min
